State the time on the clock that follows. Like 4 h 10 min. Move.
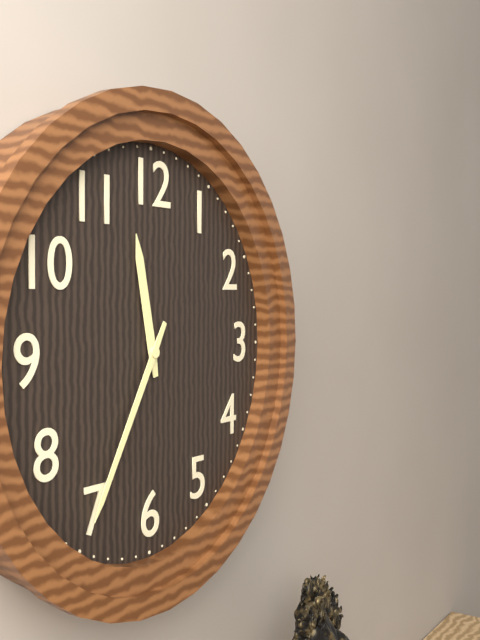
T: 11 h 35 min
